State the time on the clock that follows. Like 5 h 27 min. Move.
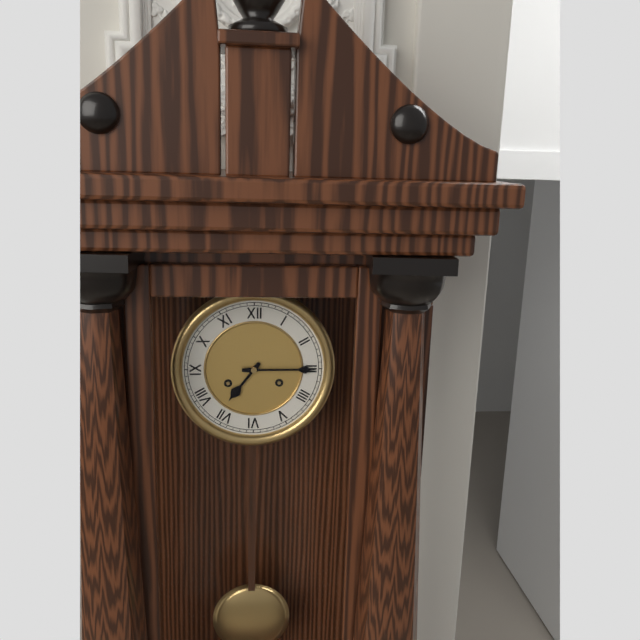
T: 7 h 15 min
